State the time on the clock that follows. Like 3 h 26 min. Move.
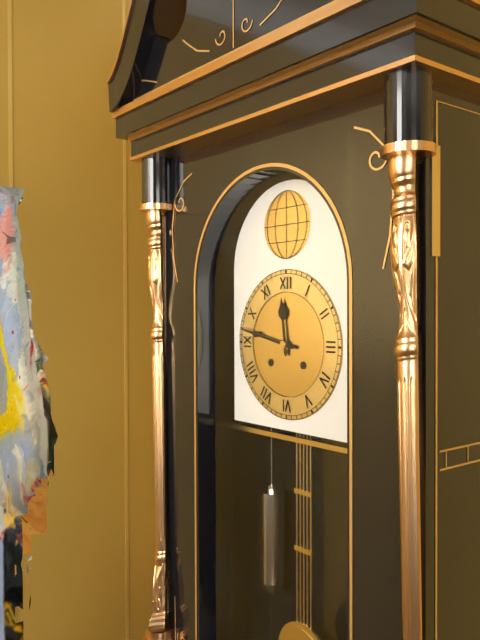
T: 11 h 47 min
